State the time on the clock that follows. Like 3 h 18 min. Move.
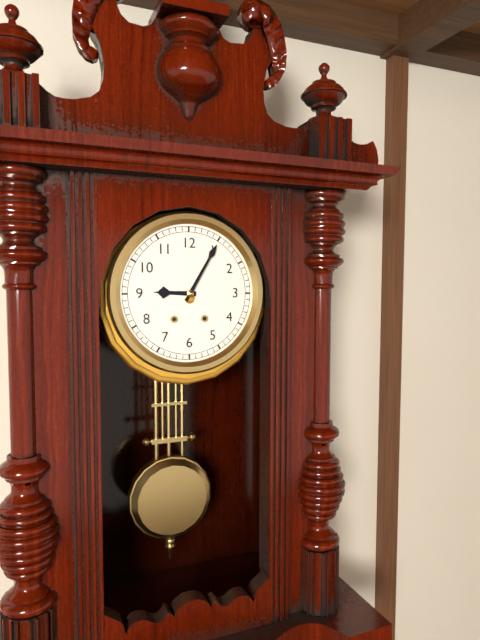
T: 9 h 05 min
